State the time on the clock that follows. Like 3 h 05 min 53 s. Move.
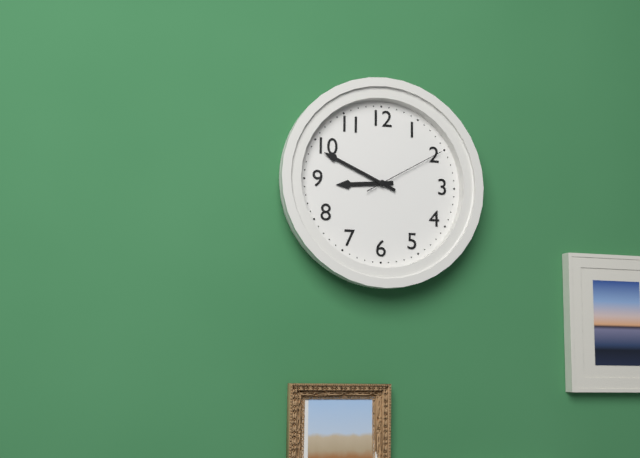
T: 8 h 49 min 10 s
